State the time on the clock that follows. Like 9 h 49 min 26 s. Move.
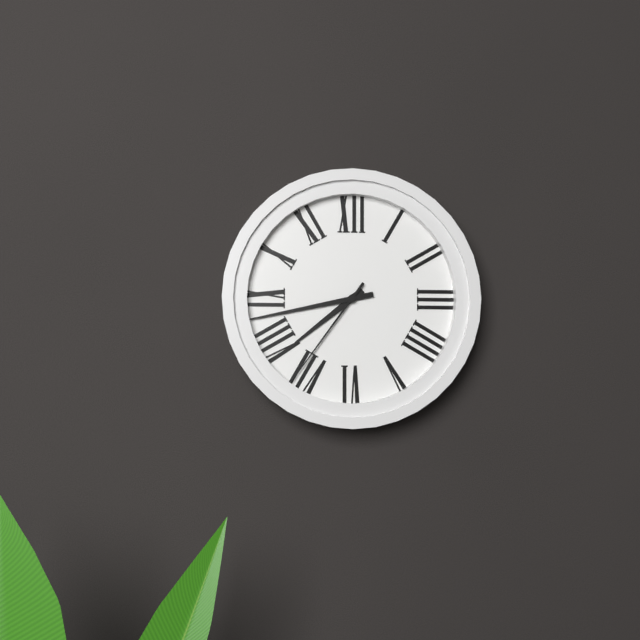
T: 7 h 43 min 36 s
